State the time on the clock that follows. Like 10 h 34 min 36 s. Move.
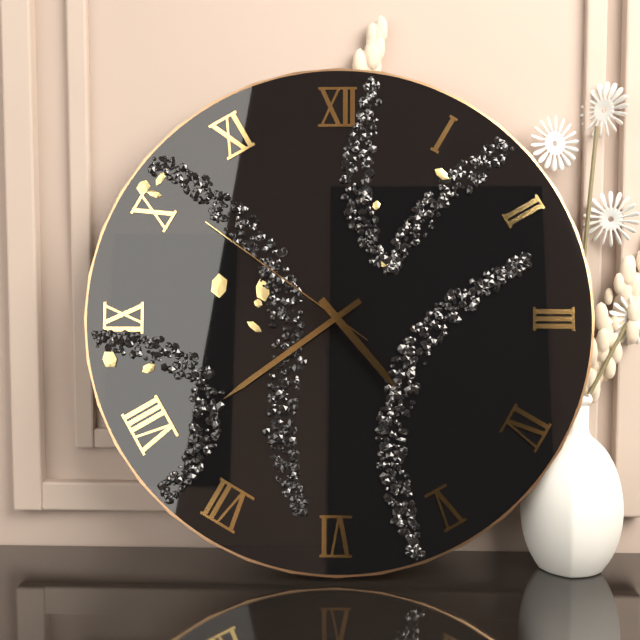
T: 4 h 39 min 51 s
